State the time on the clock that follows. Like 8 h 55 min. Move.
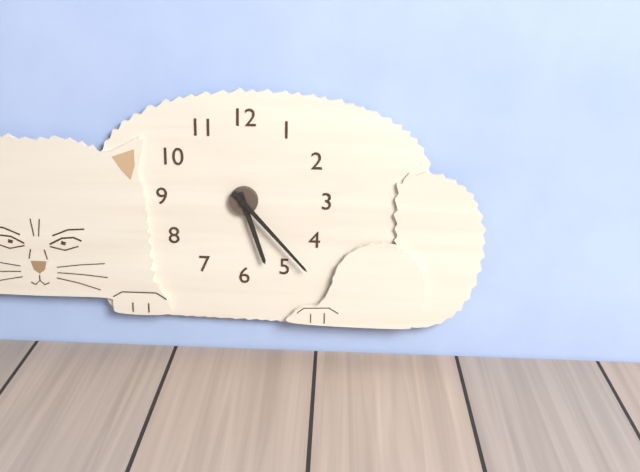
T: 5 h 23 min
